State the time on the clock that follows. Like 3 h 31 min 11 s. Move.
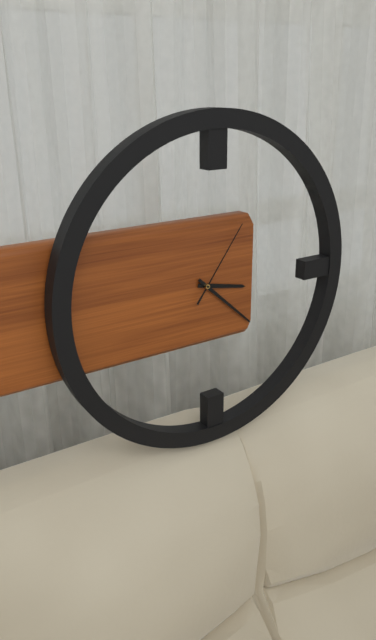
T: 3 h 22 min 06 s
